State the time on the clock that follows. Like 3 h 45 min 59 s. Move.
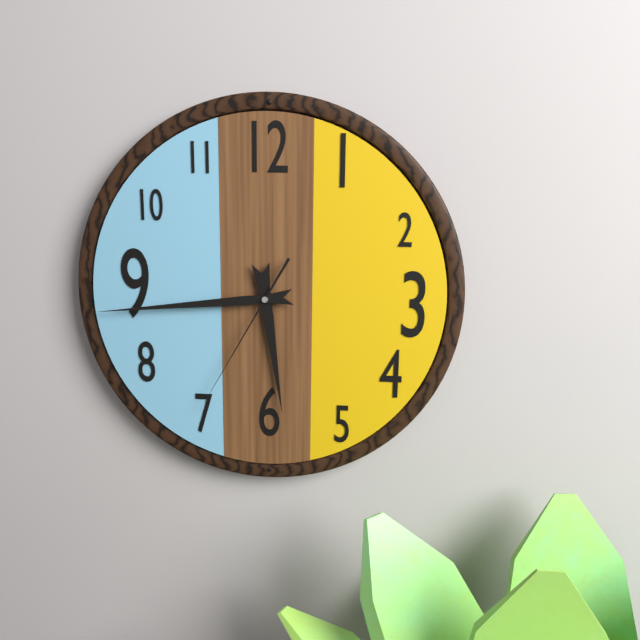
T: 5 h 44 min 35 s
